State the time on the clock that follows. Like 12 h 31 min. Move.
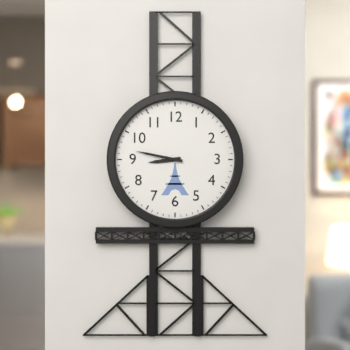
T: 8 h 47 min
